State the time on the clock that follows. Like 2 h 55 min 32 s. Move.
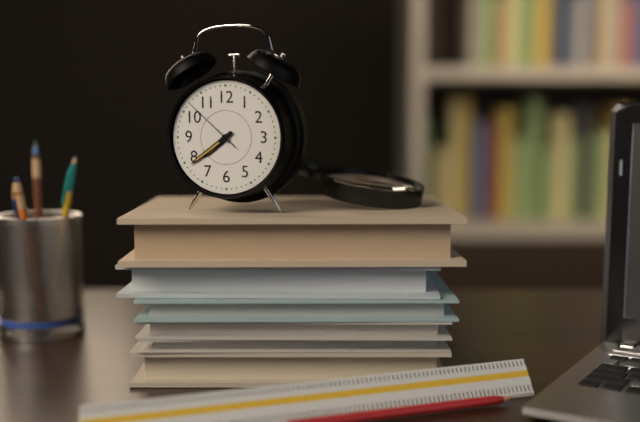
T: 7 h 39 min 52 s
